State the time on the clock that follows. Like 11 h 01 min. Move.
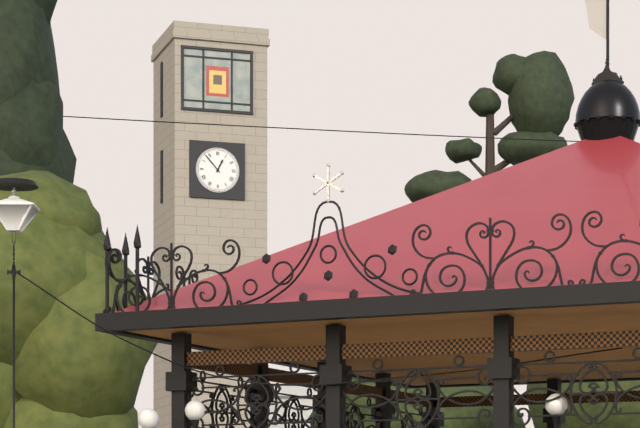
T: 12 h 53 min
